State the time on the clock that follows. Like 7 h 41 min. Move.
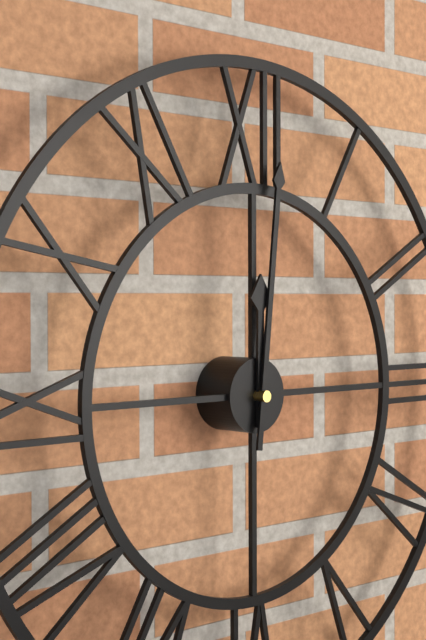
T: 12 h 01 min
